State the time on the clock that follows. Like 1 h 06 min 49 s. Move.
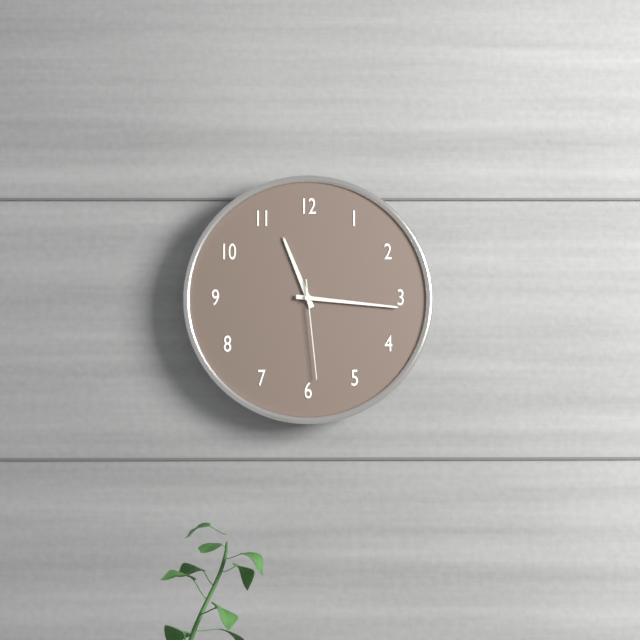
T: 11 h 16 min 29 s
